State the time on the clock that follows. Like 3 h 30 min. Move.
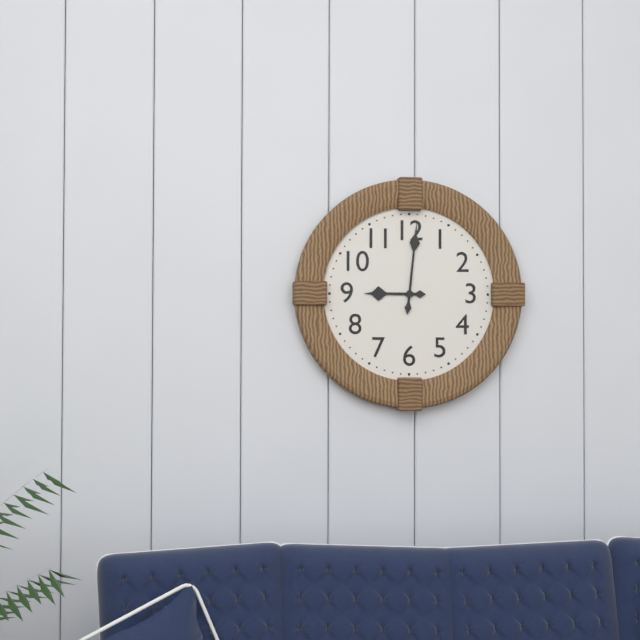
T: 9 h 01 min
